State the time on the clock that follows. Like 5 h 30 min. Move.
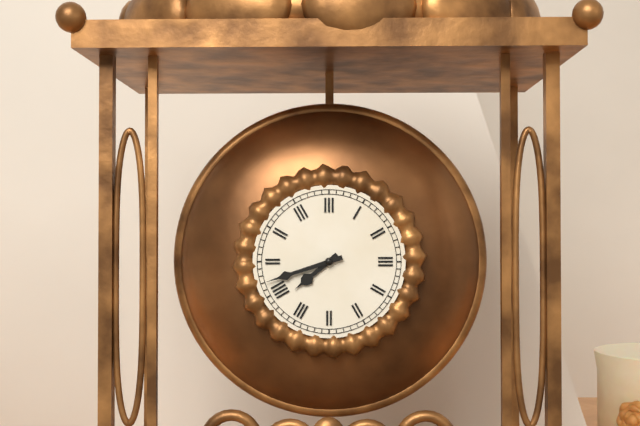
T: 7 h 42 min
